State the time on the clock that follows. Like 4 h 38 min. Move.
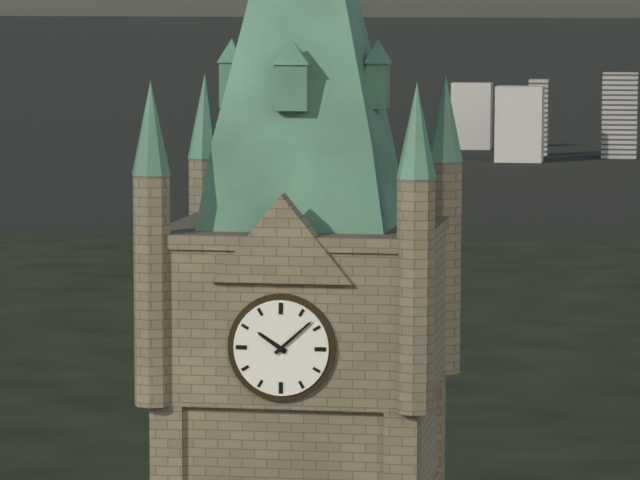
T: 10 h 08 min
